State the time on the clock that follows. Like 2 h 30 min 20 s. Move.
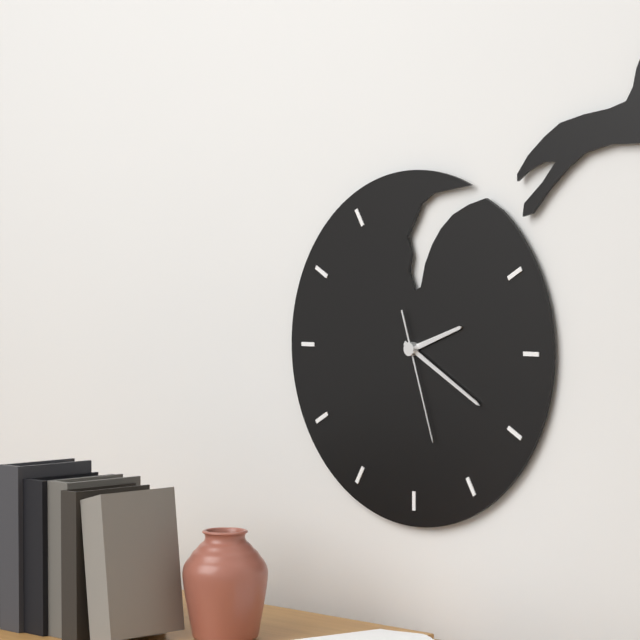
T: 2 h 20 min 27 s
